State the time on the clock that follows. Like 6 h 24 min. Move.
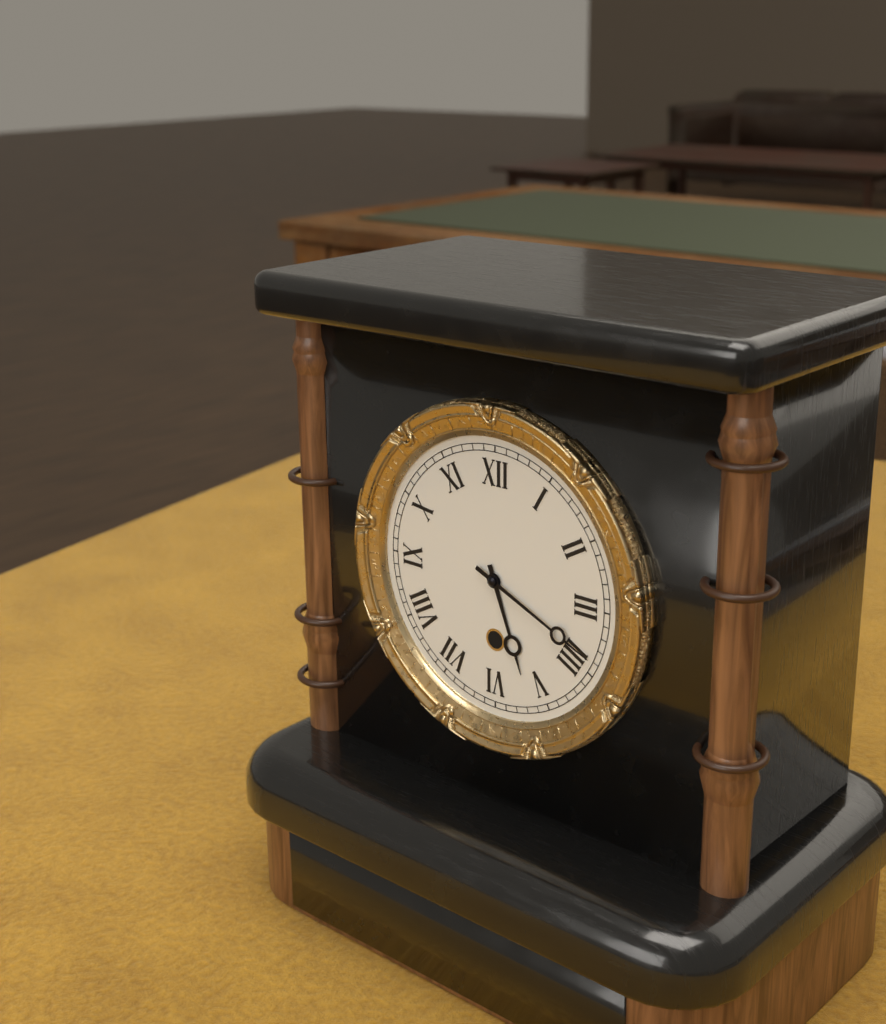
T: 5 h 19 min
